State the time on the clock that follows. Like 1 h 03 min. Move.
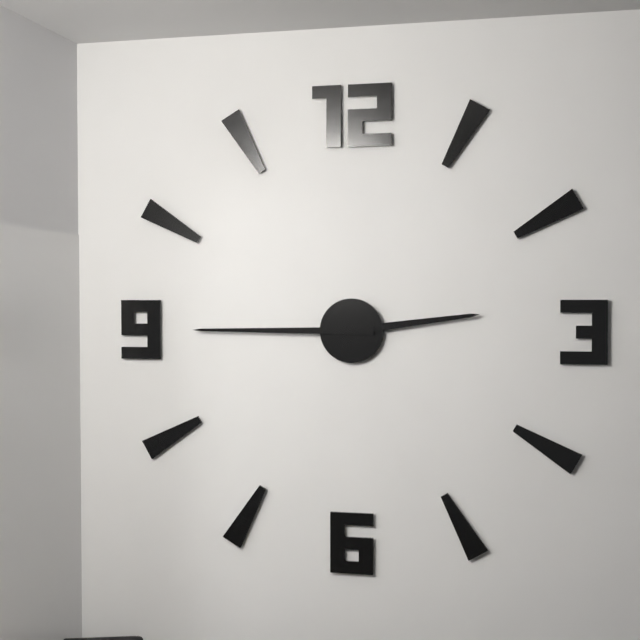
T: 2 h 45 min
